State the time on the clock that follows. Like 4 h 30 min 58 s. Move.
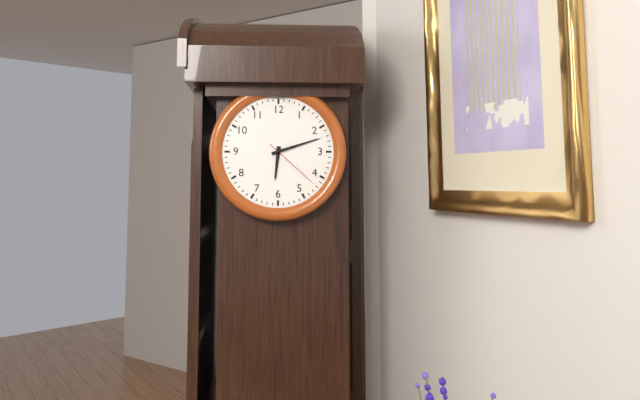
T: 6 h 12 min 22 s
